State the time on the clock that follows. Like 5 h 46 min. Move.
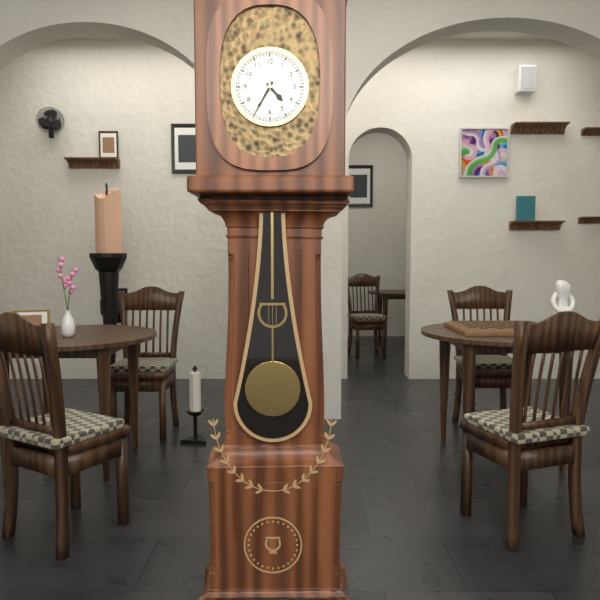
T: 4 h 35 min
